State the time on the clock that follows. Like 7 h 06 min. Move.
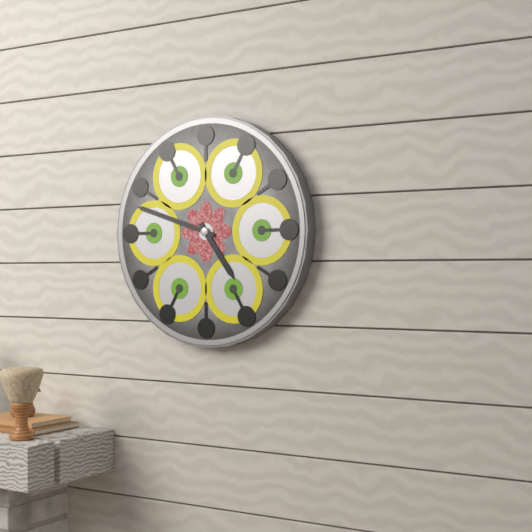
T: 4 h 48 min
